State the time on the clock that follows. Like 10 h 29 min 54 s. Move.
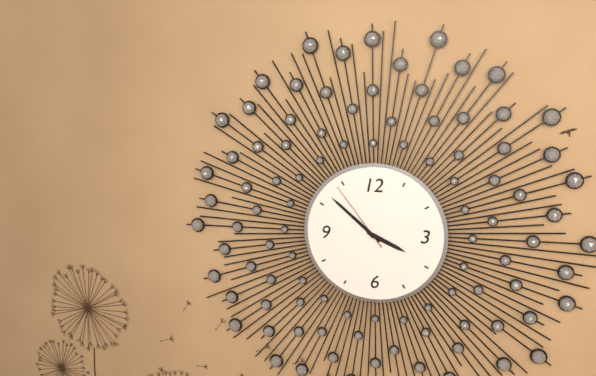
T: 3 h 52 min 54 s
